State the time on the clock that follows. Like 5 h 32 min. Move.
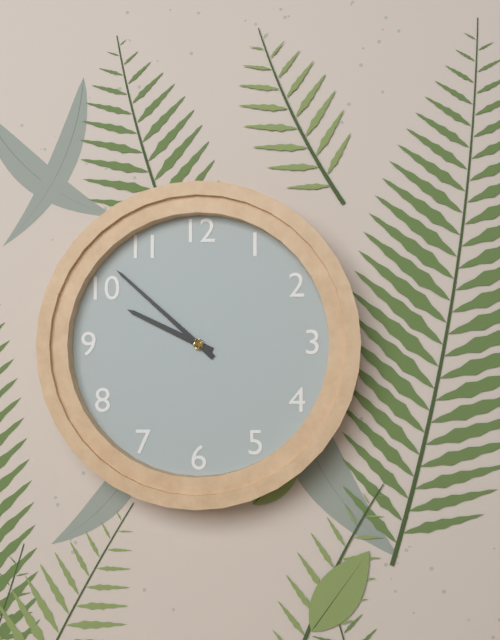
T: 9 h 52 min
